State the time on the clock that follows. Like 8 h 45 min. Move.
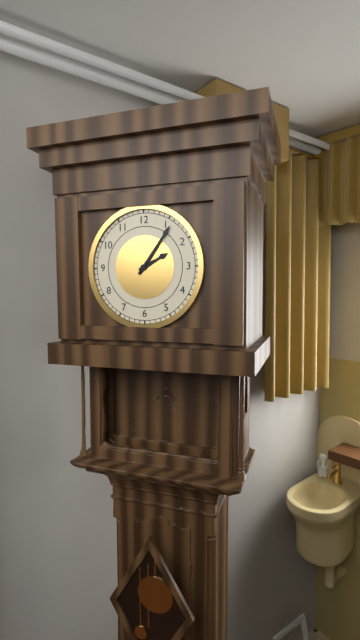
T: 2 h 06 min
